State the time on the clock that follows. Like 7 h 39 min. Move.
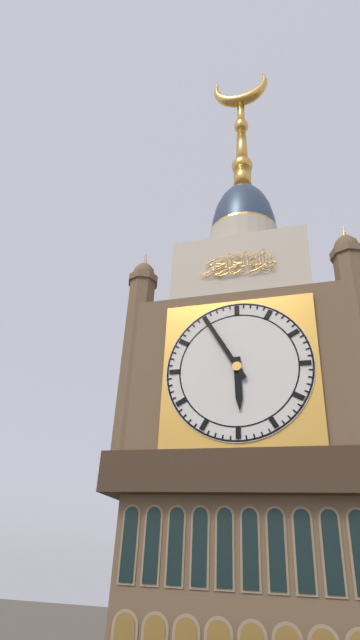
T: 5 h 55 min
